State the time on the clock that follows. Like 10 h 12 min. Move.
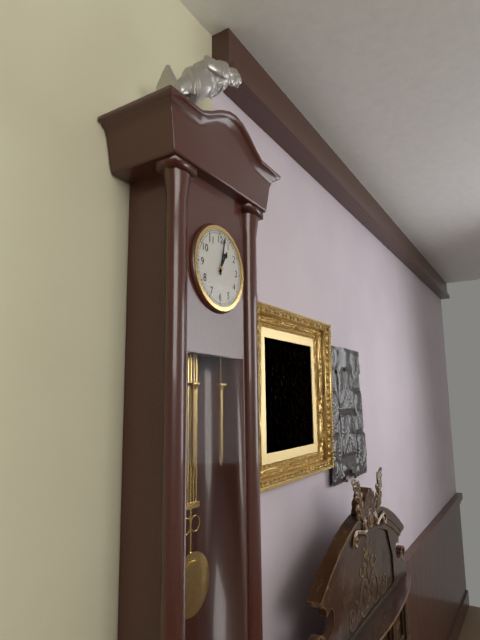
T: 1 h 02 min
